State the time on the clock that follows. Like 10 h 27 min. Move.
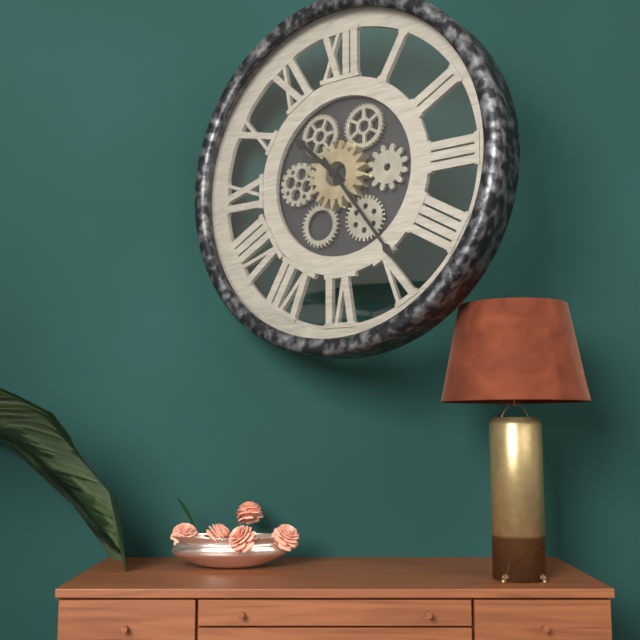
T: 10 h 24 min
